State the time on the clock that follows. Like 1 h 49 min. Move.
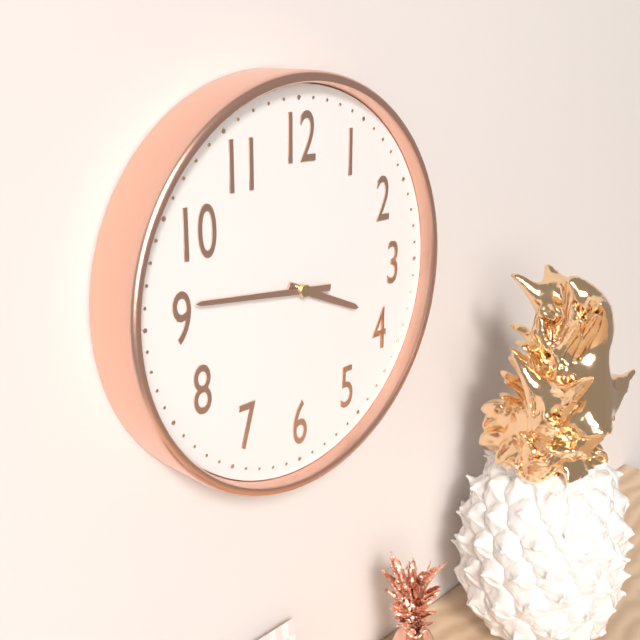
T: 3 h 46 min
